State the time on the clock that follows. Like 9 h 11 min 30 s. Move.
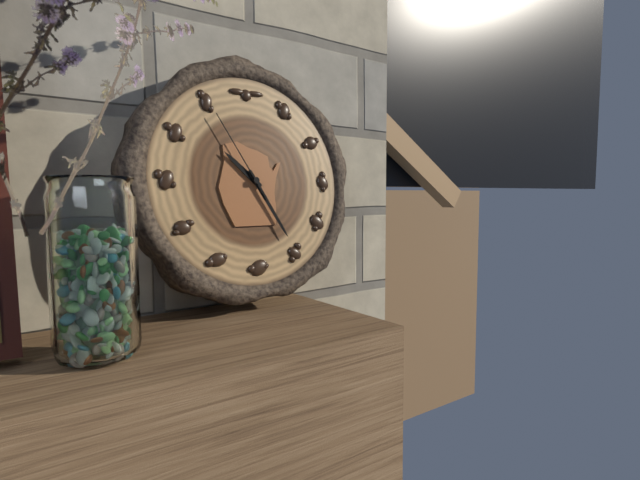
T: 10 h 25 min 55 s
